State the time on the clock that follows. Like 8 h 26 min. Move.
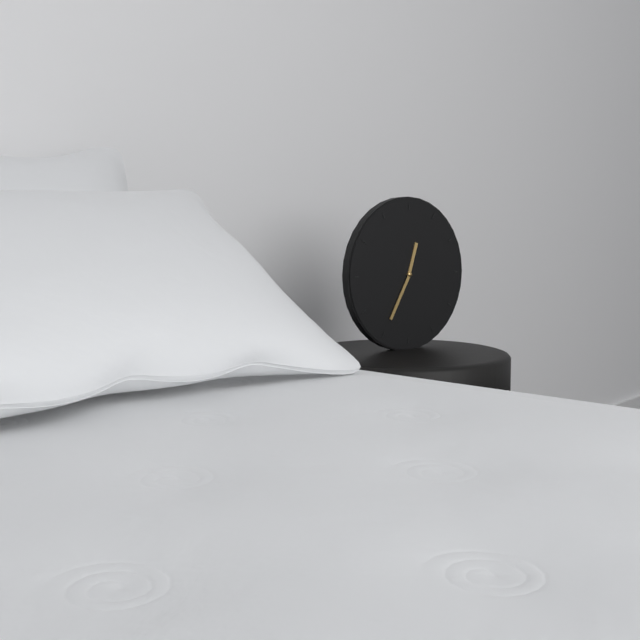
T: 12 h 35 min
